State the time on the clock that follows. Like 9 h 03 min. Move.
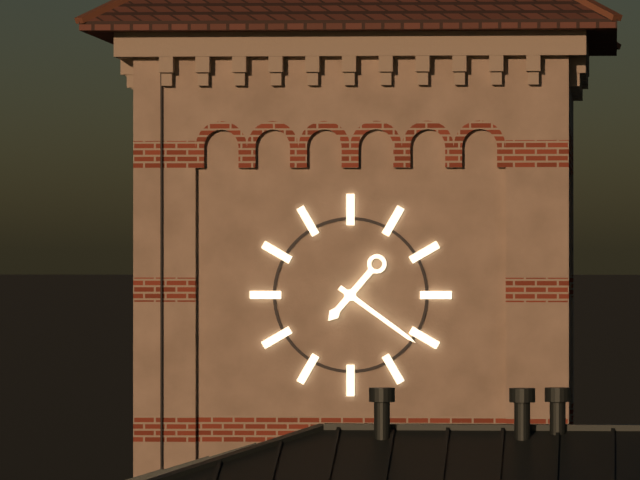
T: 7 h 21 min
